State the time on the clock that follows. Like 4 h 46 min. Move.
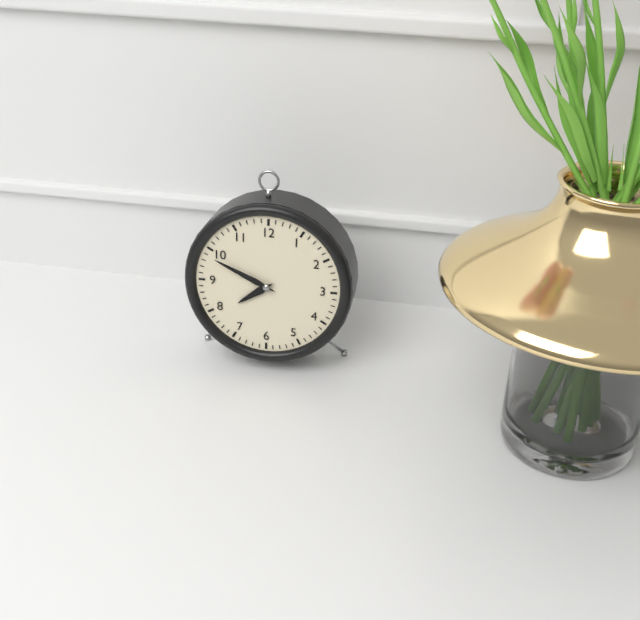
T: 7 h 49 min
